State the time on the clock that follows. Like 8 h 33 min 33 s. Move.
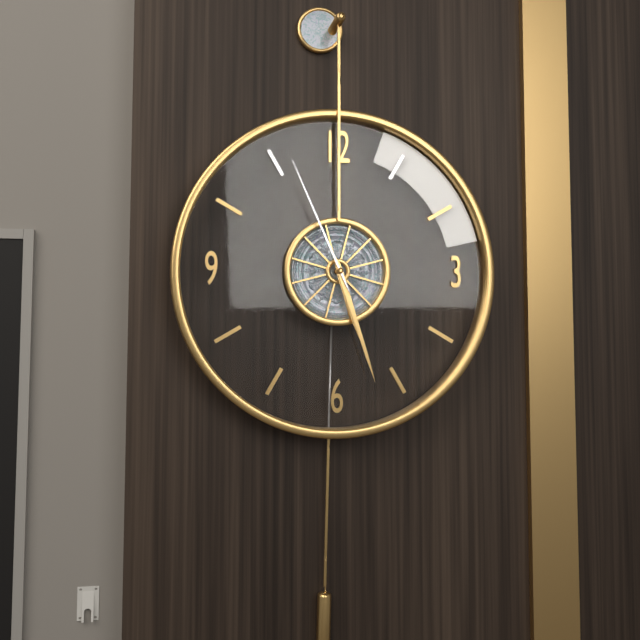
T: 5 h 27 min 56 s
